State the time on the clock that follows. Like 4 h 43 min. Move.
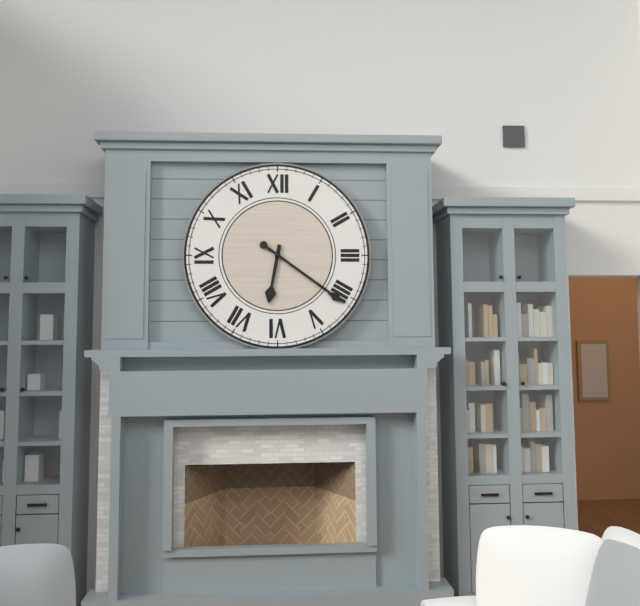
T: 6 h 21 min
